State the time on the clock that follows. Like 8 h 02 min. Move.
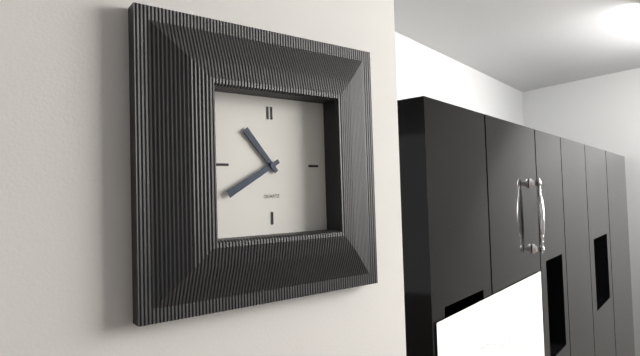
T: 10 h 40 min
